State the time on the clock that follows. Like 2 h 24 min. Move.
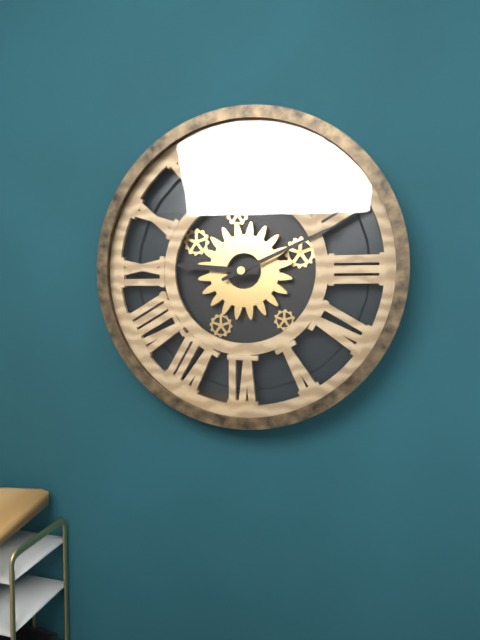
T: 9 h 11 min
